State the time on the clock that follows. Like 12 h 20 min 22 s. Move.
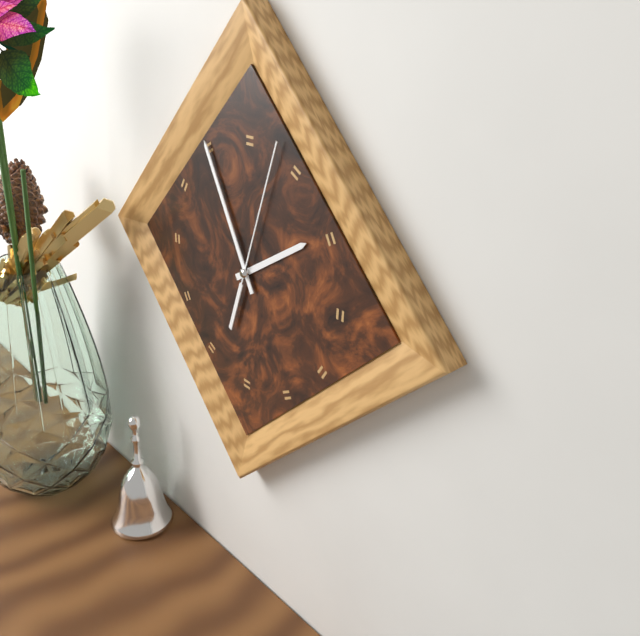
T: 1 h 55 min 03 s
